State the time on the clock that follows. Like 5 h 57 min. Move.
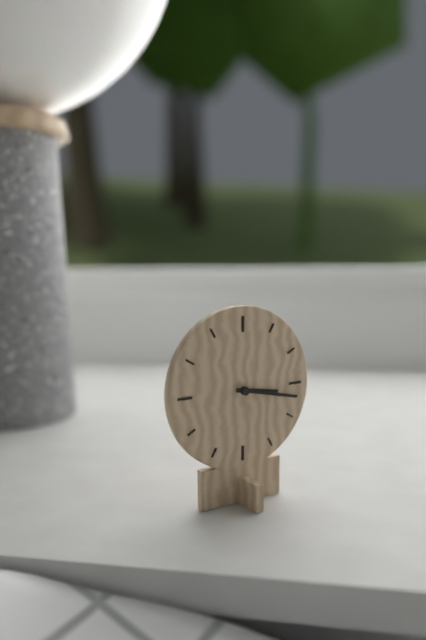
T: 3 h 17 min
